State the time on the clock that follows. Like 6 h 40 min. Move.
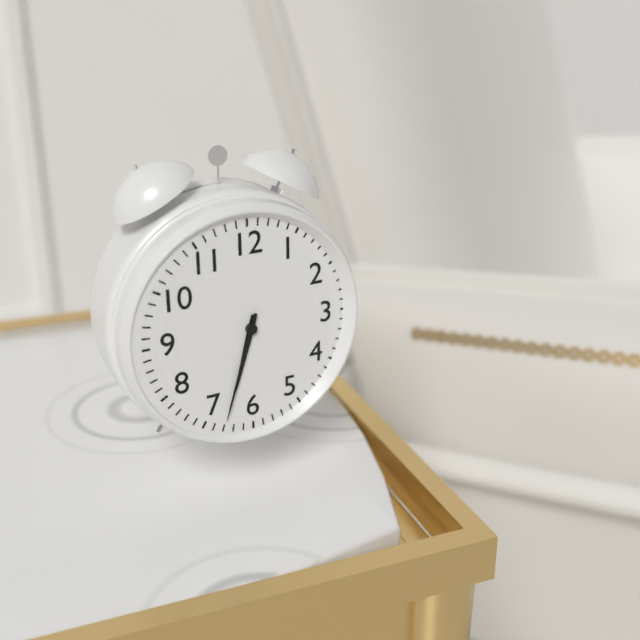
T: 6 h 33 min
